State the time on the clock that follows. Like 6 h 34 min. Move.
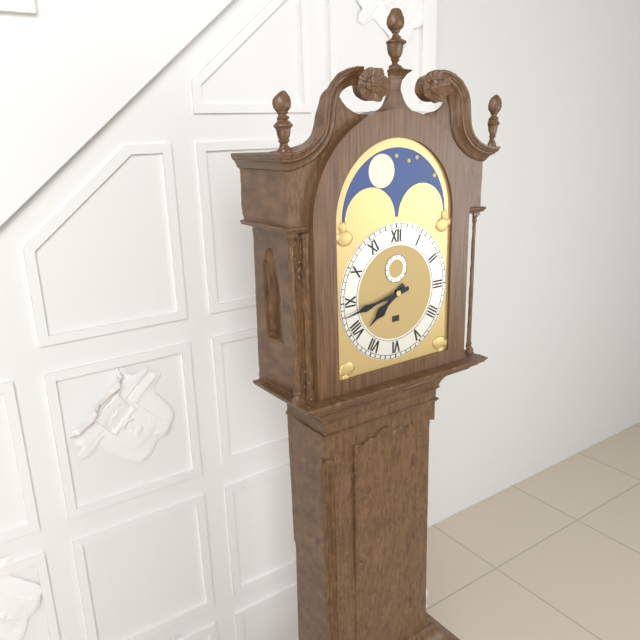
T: 7 h 43 min
